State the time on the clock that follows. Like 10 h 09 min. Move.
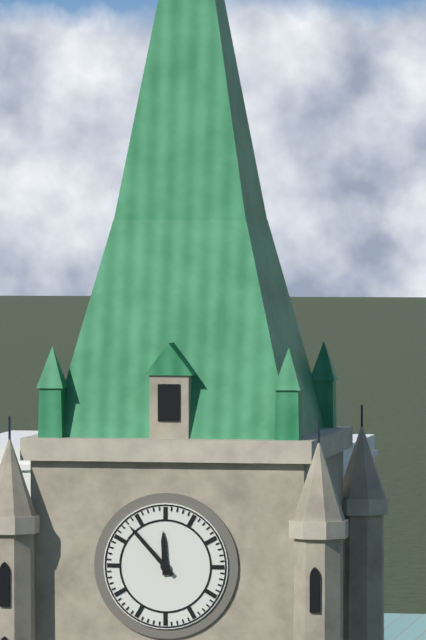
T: 11 h 53 min
